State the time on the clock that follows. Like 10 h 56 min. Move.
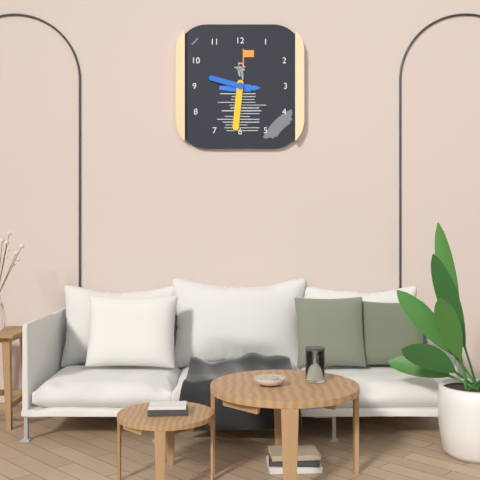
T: 9 h 31 min
